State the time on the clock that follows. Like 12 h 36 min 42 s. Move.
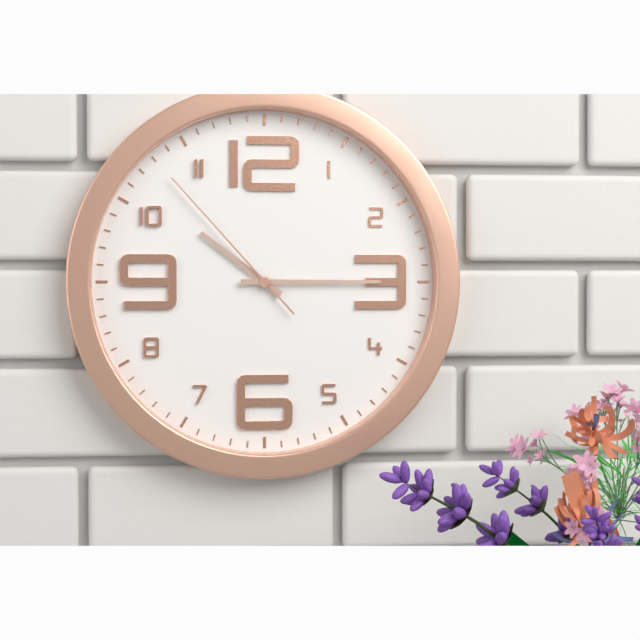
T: 10 h 15 min 53 s
